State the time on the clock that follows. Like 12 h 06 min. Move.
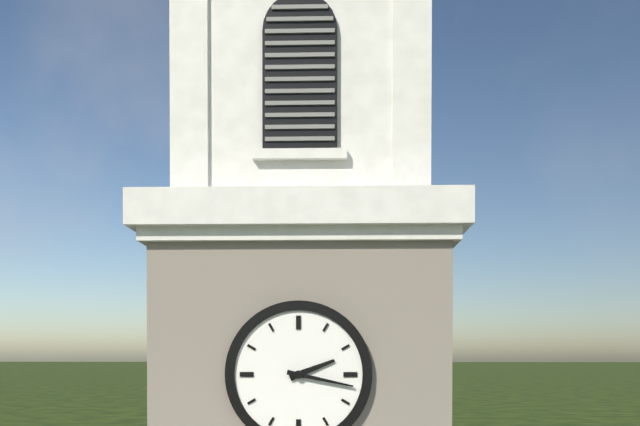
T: 2 h 17 min
